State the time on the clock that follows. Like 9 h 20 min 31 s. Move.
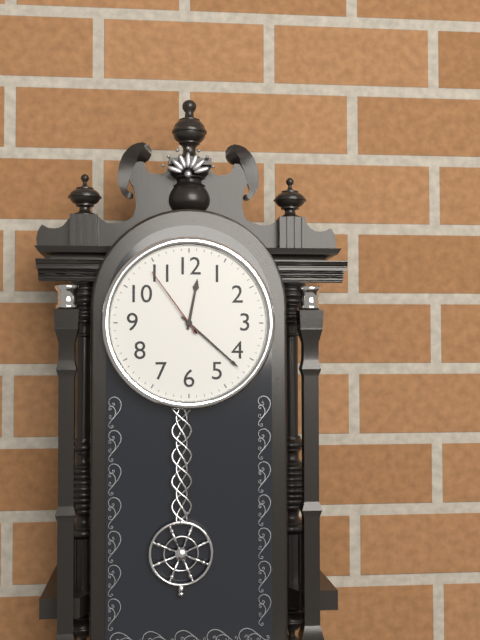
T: 12 h 22 min 54 s
